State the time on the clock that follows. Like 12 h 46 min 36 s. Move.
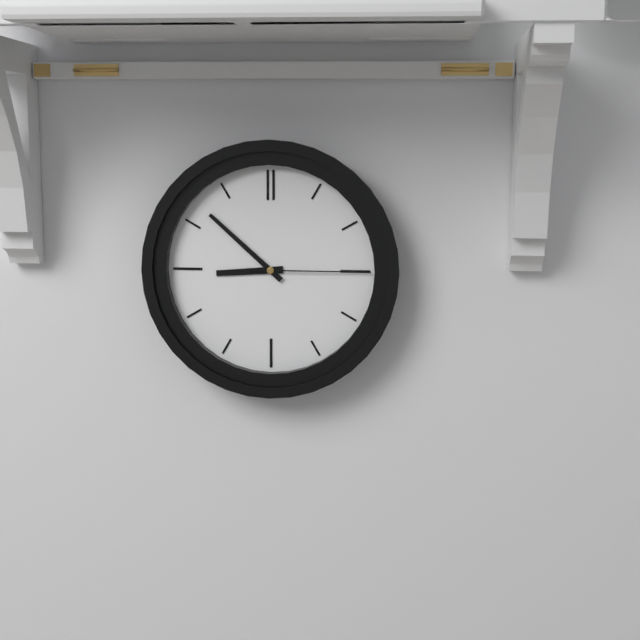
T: 8 h 52 min 15 s
